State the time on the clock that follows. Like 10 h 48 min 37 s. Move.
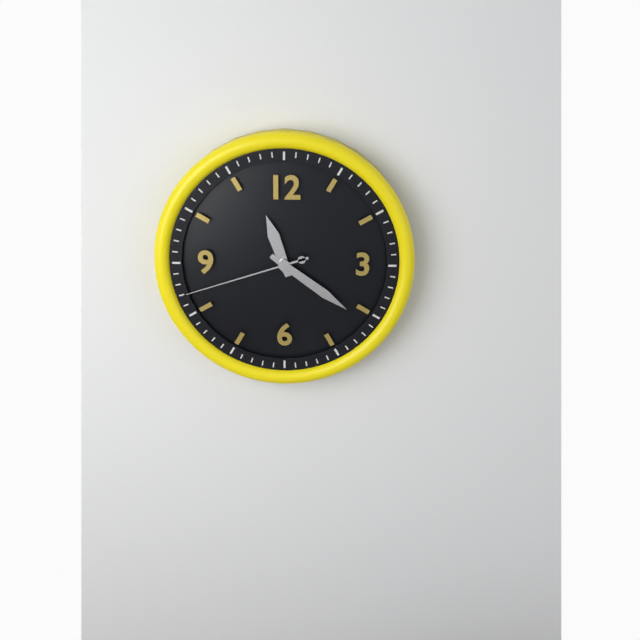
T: 11 h 21 min 42 s
